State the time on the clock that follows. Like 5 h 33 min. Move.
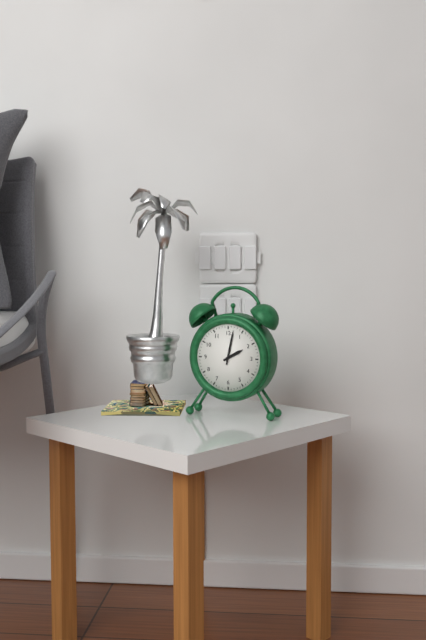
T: 2 h 02 min
